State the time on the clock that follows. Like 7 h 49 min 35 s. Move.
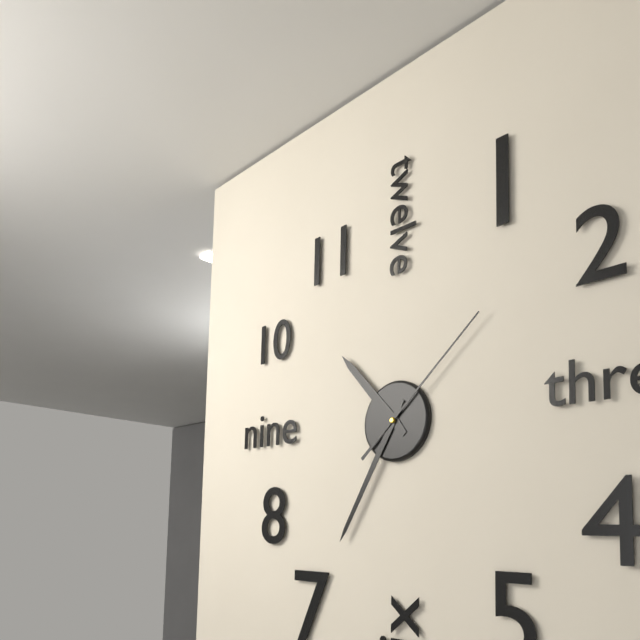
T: 10 h 35 min 08 s
